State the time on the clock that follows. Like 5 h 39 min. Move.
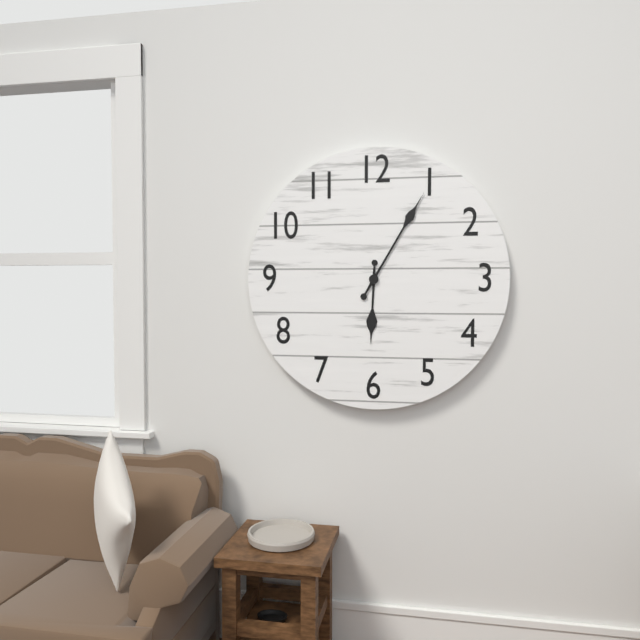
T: 6 h 05 min
